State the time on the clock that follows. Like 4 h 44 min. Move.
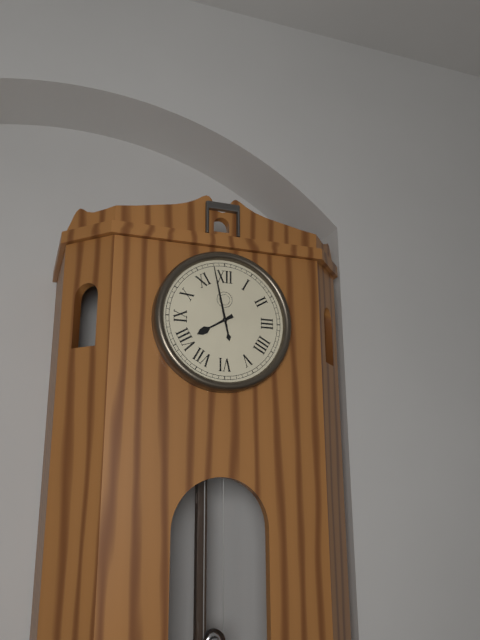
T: 7 h 58 min
